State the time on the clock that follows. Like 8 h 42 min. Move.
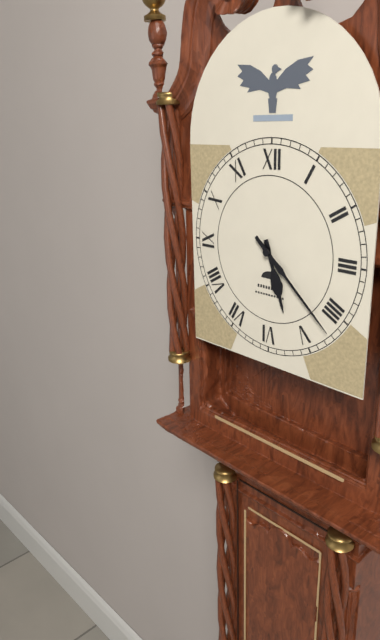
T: 5 h 22 min
